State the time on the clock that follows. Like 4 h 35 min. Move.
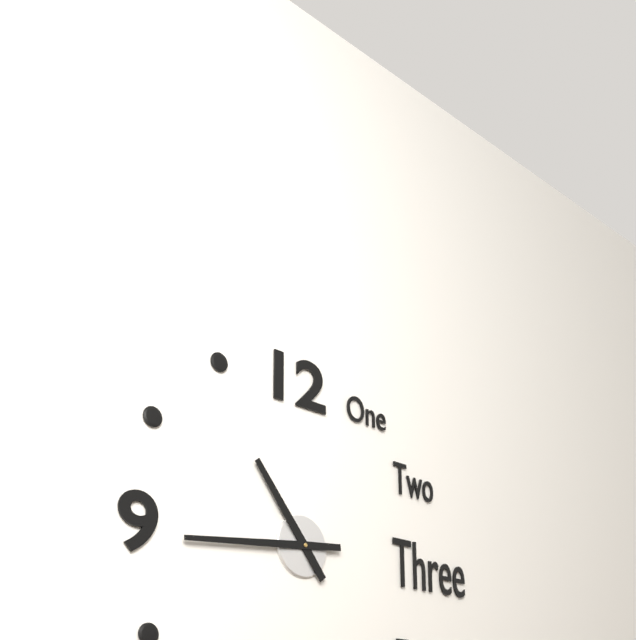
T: 10 h 44 min
